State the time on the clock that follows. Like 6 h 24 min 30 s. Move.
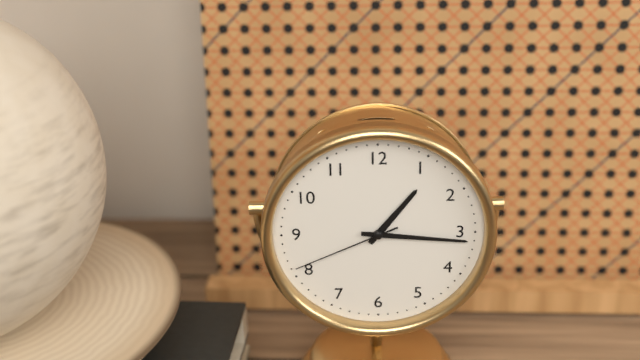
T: 1 h 16 min 41 s
